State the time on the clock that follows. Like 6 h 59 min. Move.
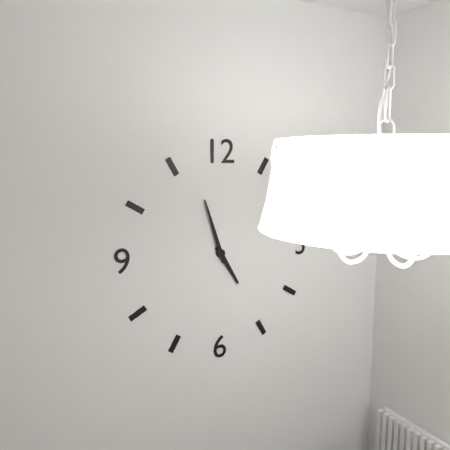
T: 4 h 57 min
